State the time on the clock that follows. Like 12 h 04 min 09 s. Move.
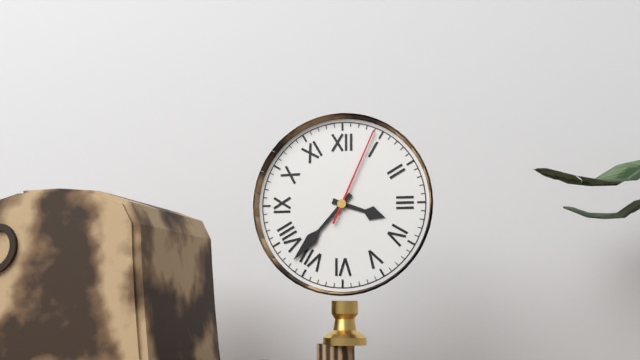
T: 3 h 37 min 04 s
